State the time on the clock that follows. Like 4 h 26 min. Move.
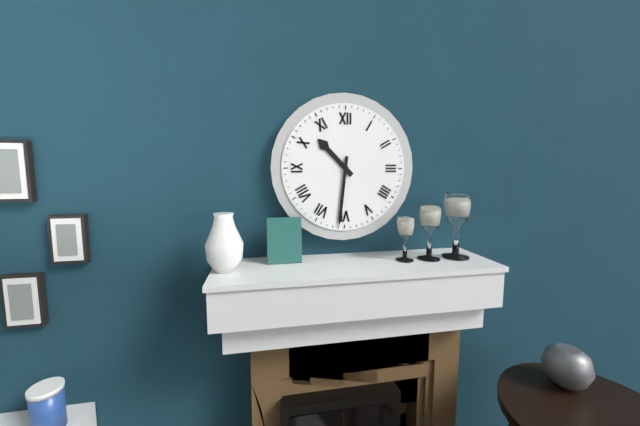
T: 10 h 31 min
